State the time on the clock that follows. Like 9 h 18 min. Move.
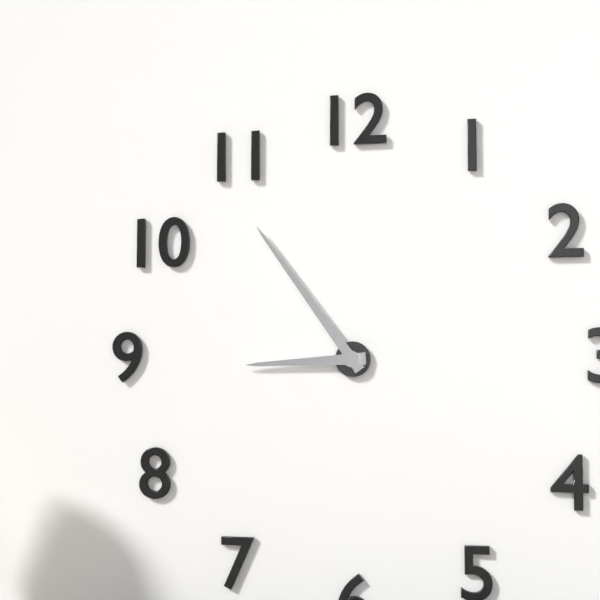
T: 8 h 54 min
